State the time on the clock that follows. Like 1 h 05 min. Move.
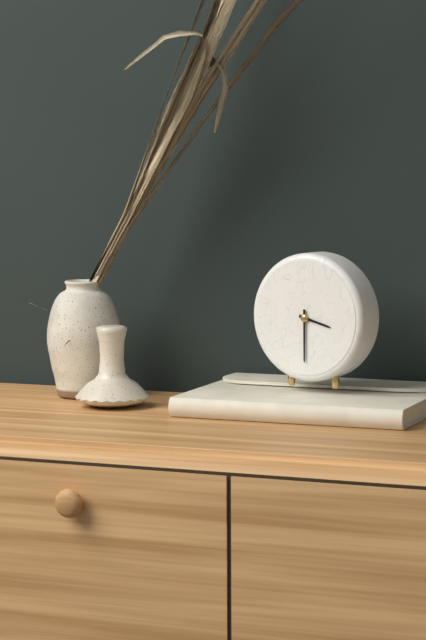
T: 3 h 30 min
